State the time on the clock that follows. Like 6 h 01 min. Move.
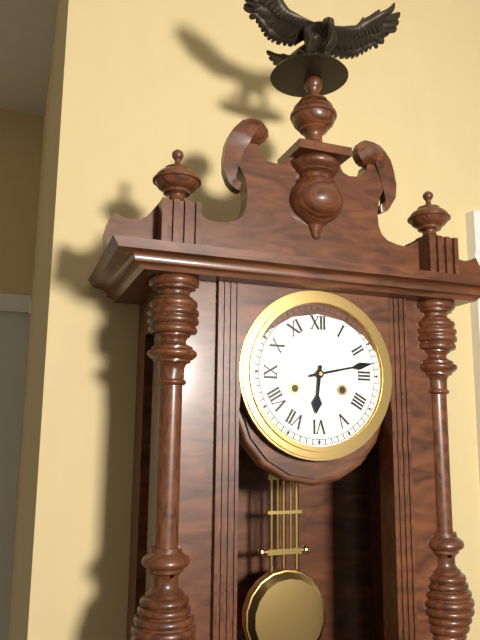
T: 6 h 13 min
